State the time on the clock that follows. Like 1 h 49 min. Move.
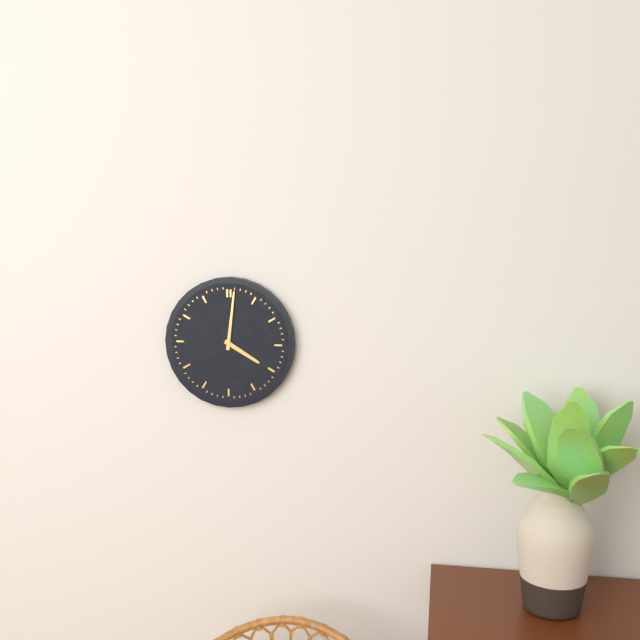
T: 4 h 01 min
